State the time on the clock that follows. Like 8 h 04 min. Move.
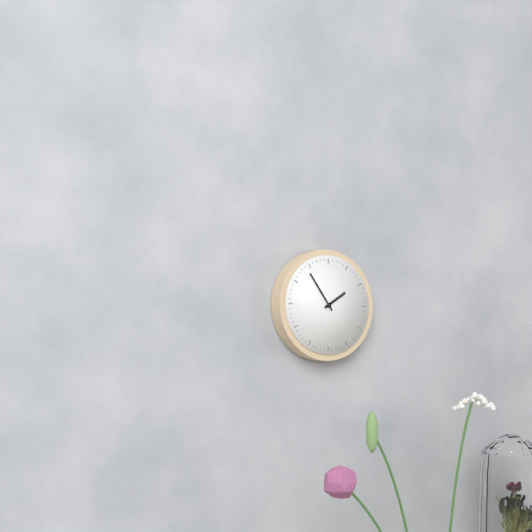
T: 1 h 54 min
